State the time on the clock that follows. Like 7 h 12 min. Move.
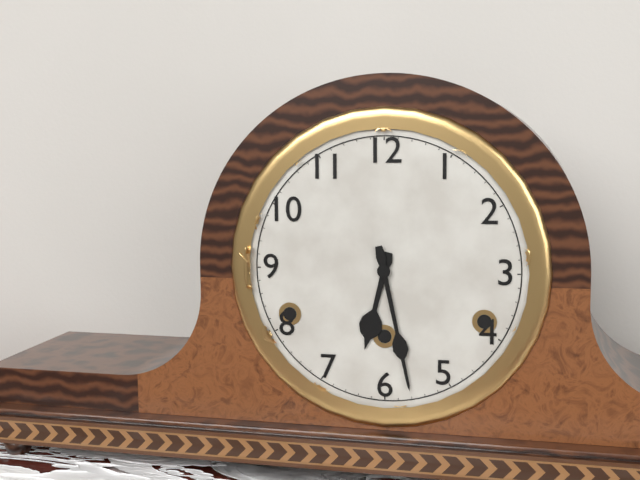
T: 6 h 28 min
